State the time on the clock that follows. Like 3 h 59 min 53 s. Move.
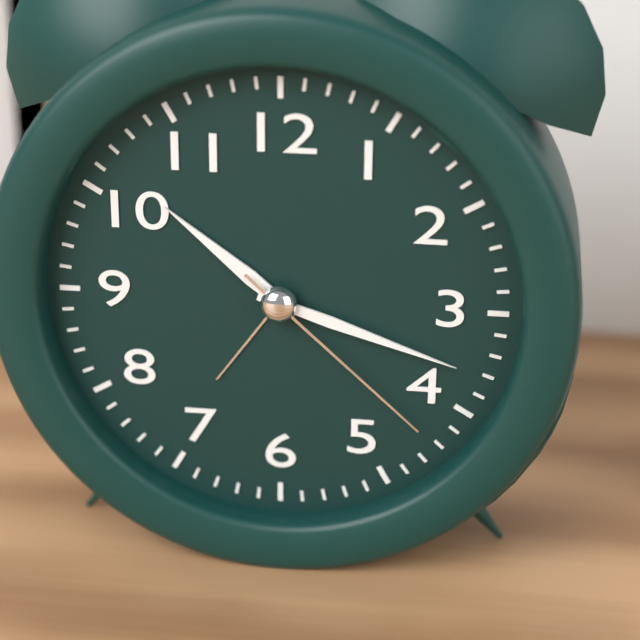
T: 10 h 18 min 22 s
